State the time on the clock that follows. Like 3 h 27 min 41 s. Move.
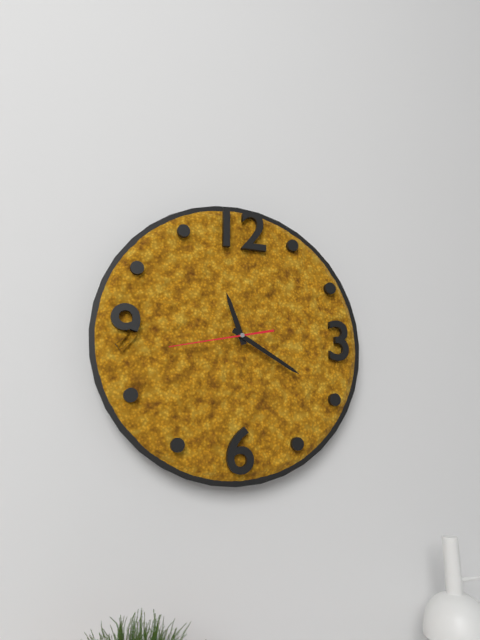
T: 11 h 20 min 43 s
